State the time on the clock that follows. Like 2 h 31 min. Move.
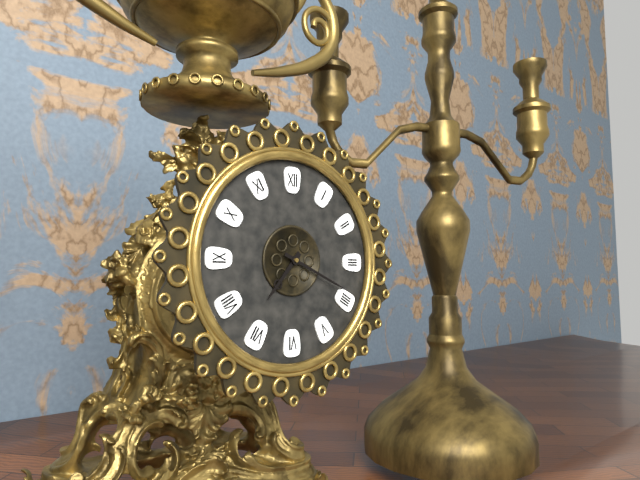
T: 7 h 19 min
